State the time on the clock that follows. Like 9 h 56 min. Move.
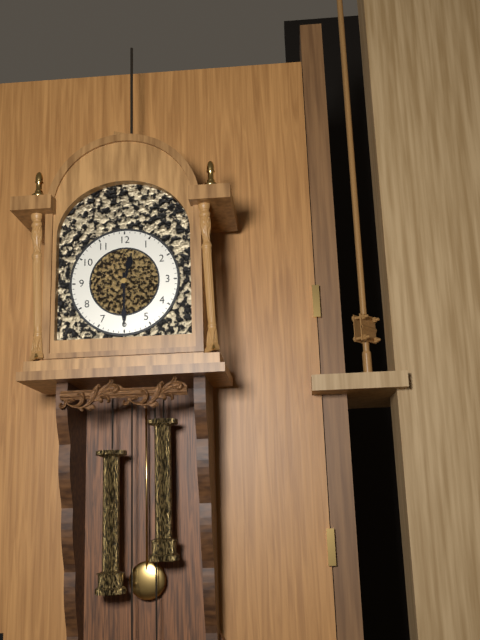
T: 12 h 30 min
